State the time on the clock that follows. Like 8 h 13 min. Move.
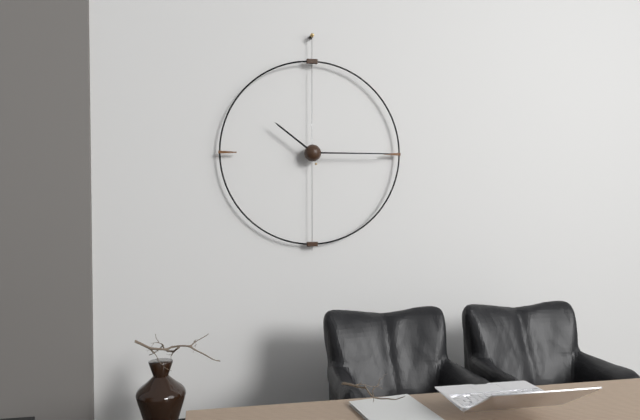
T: 10 h 15 min
